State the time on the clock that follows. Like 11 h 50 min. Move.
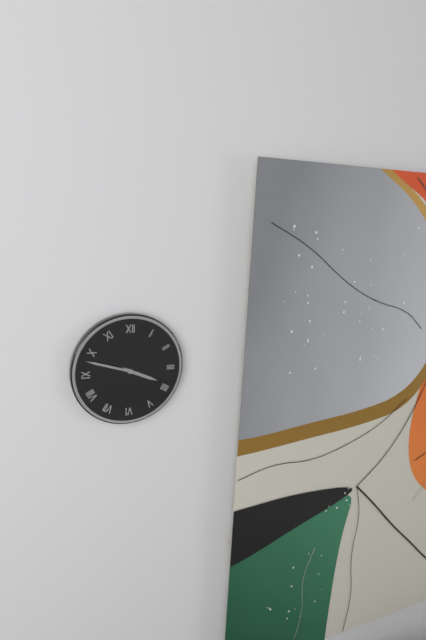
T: 3 h 48 min
